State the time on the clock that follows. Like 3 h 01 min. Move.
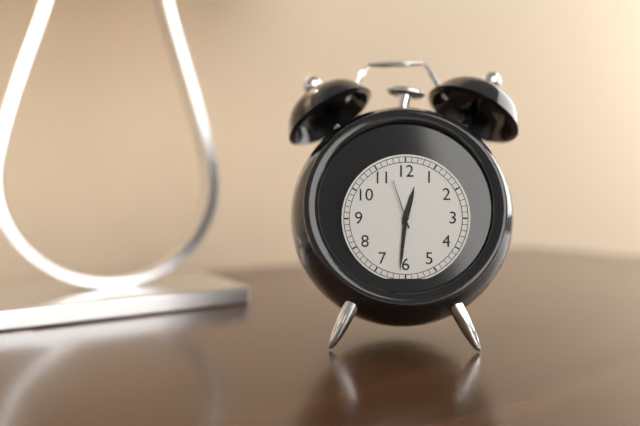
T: 12 h 31 min
